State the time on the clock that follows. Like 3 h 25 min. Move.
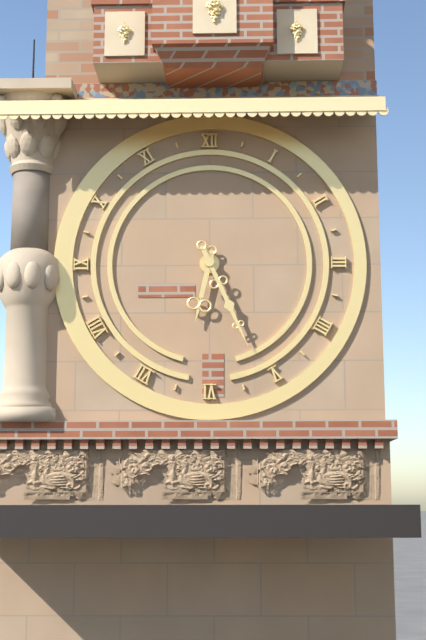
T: 6 h 26 min
